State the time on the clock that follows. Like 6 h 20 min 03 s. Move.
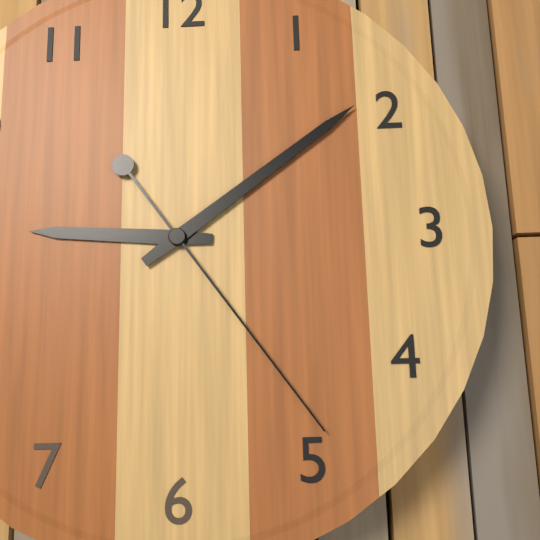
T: 9 h 09 min 24 s
